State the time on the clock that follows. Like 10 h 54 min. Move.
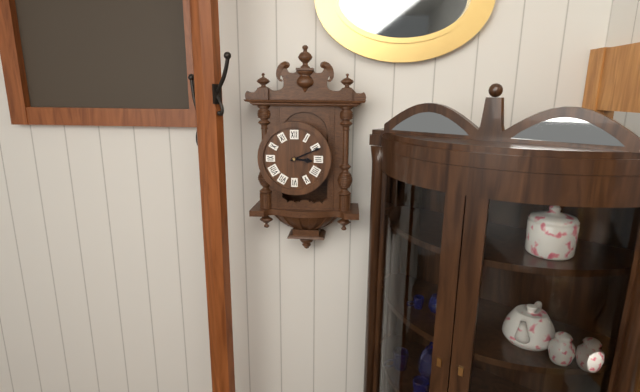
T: 3 h 11 min
